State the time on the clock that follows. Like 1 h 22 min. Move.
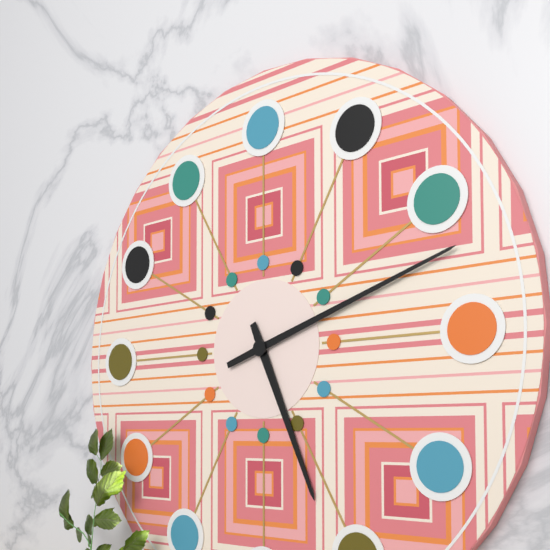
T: 5 h 12 min
